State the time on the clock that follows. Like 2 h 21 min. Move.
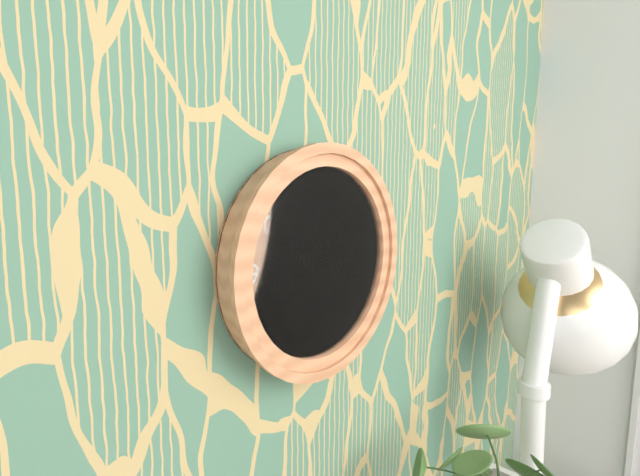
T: 8 h 57 min
